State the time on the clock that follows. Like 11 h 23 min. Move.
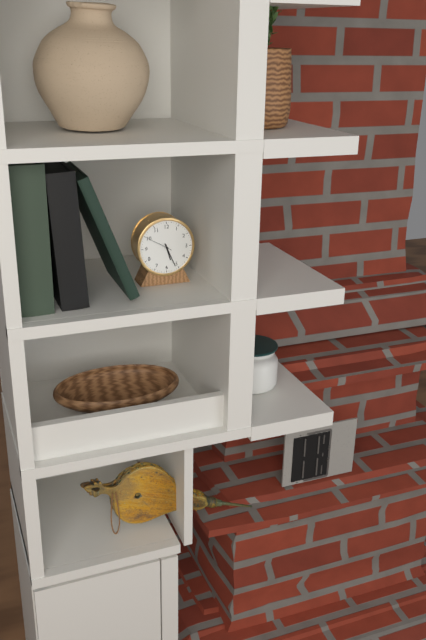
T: 5 h 26 min
